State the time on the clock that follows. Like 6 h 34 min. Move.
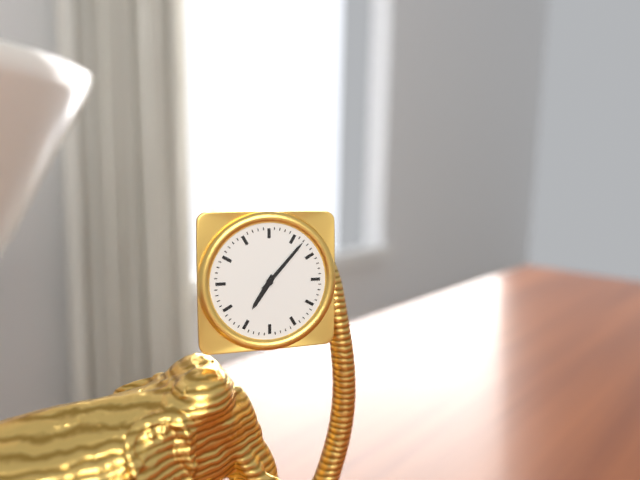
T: 7 h 07 min
